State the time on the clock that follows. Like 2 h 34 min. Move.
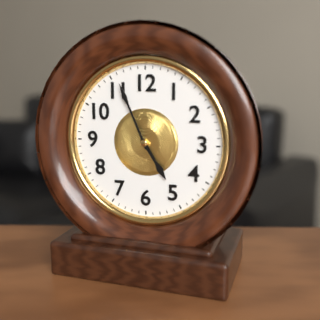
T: 4 h 56 min
